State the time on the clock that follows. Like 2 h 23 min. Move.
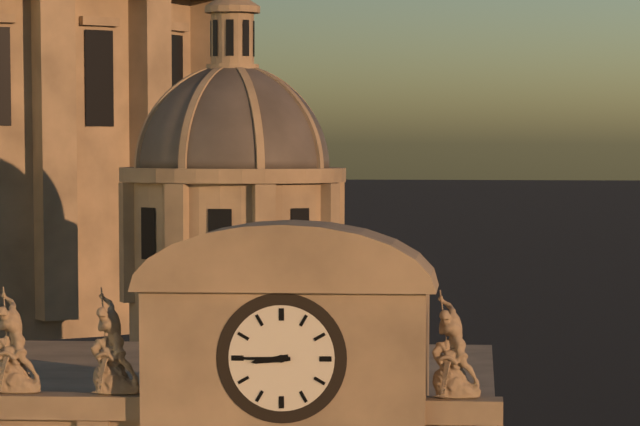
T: 8 h 45 min
